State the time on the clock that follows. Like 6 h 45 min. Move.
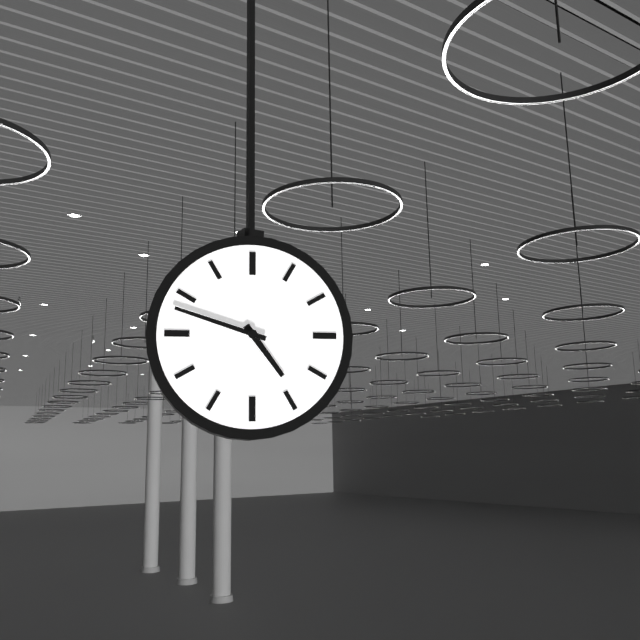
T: 4 h 48 min
